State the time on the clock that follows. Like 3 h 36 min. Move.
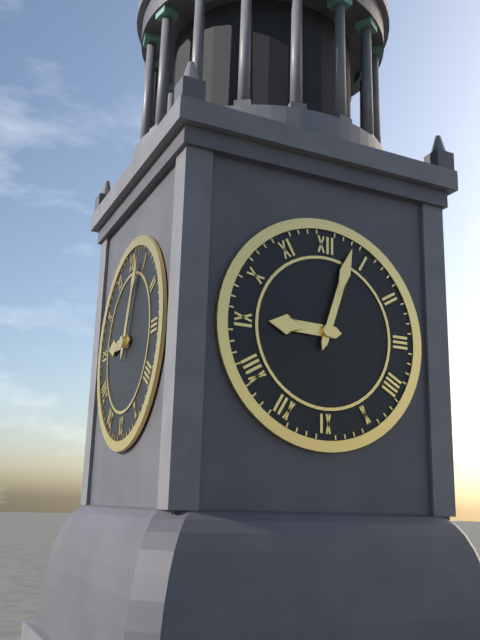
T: 9 h 03 min
